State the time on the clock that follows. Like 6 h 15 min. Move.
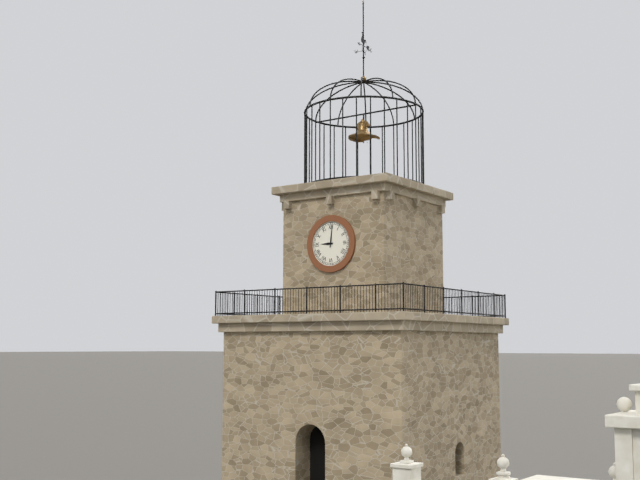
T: 9 h 01 min
